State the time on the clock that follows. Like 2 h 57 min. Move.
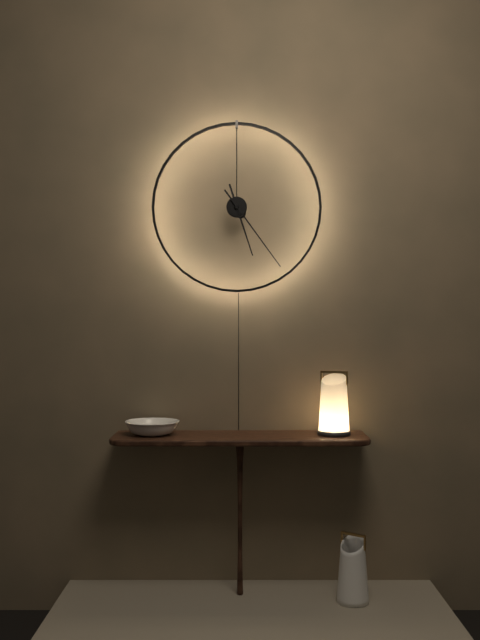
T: 5 h 24 min
